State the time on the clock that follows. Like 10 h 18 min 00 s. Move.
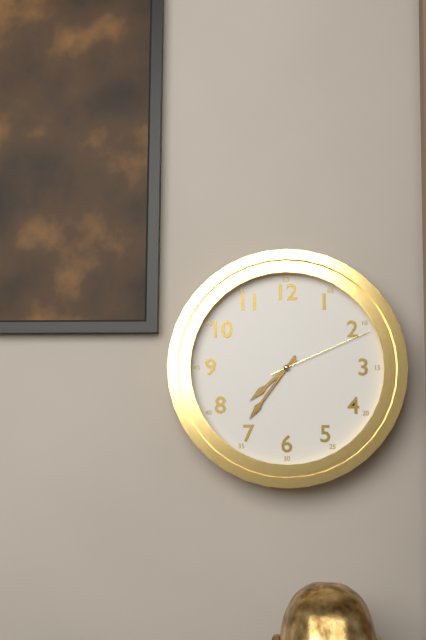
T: 7 h 36 min 11 s
